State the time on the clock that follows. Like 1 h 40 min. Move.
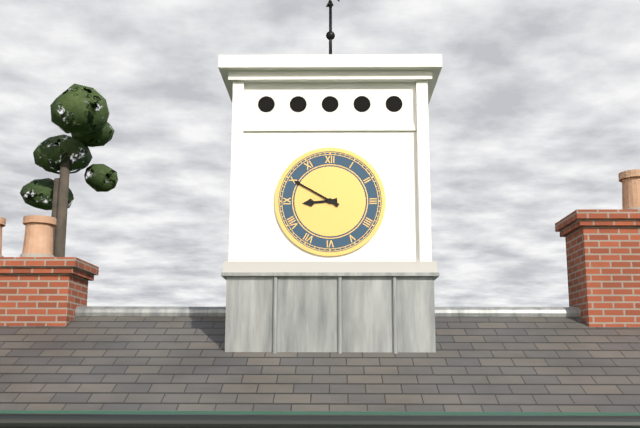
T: 8 h 50 min
